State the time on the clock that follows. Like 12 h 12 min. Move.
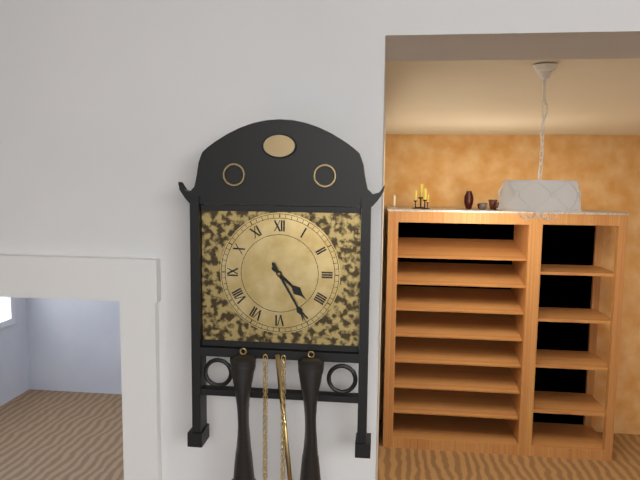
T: 4 h 25 min
